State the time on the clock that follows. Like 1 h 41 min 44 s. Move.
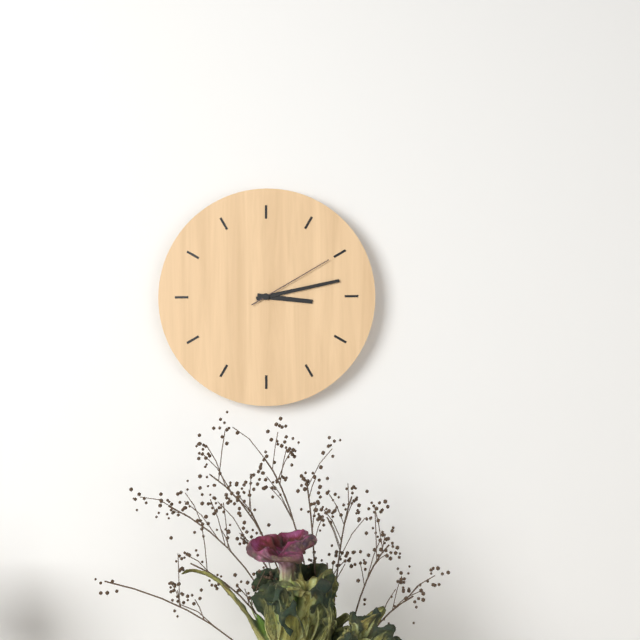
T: 3 h 13 min 10 s
